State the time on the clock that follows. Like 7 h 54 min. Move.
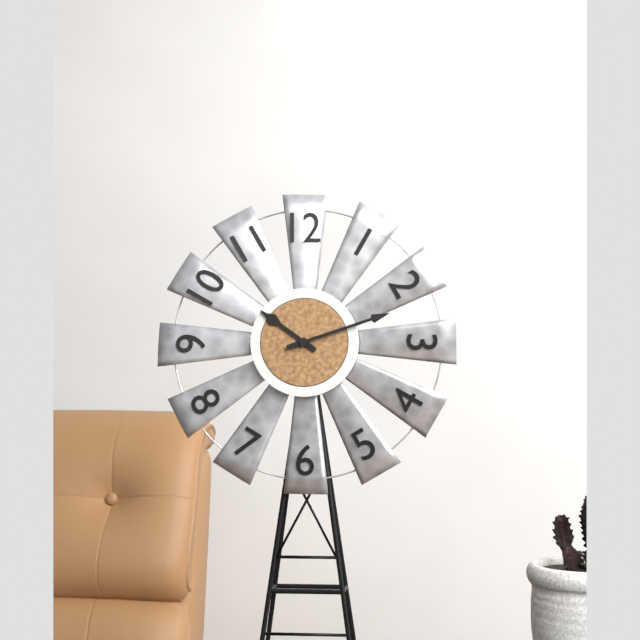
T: 10 h 12 min
